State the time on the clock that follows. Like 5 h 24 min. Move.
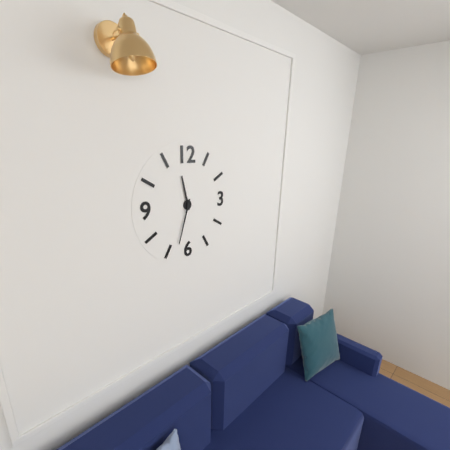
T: 11 h 33 min
